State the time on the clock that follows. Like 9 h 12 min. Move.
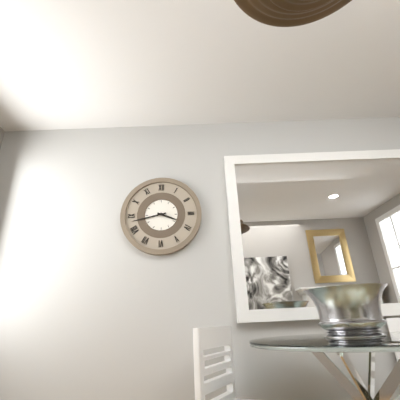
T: 3 h 43 min
